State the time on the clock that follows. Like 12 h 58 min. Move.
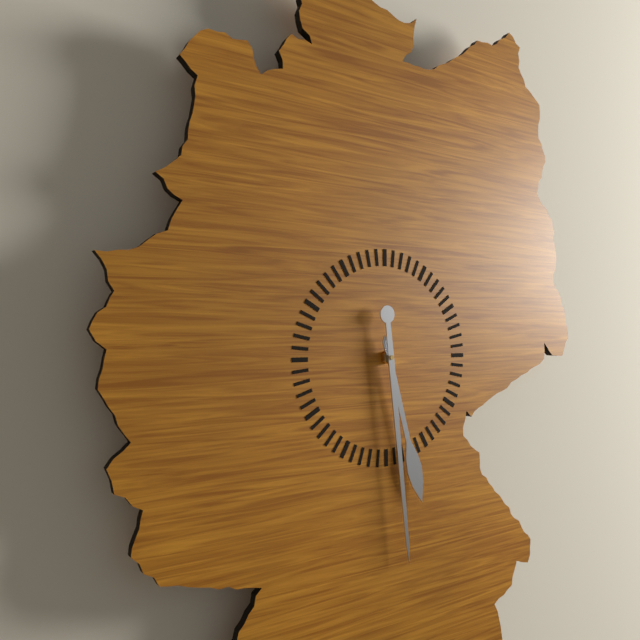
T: 5 h 29 min
